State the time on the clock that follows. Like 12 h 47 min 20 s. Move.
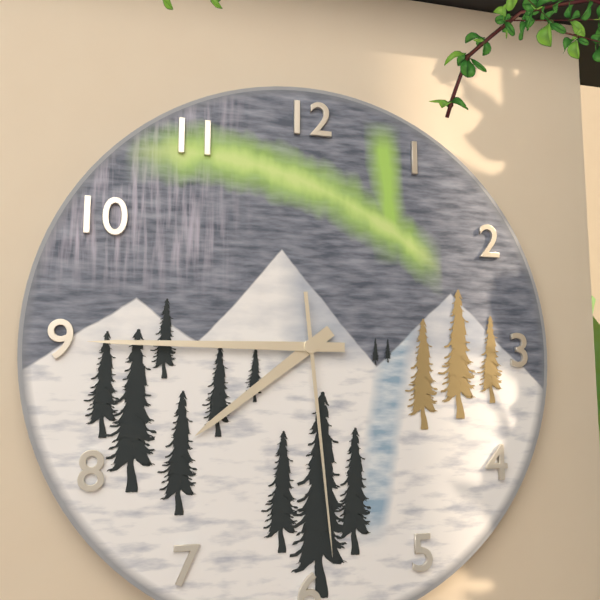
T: 7 h 45 min 29 s
